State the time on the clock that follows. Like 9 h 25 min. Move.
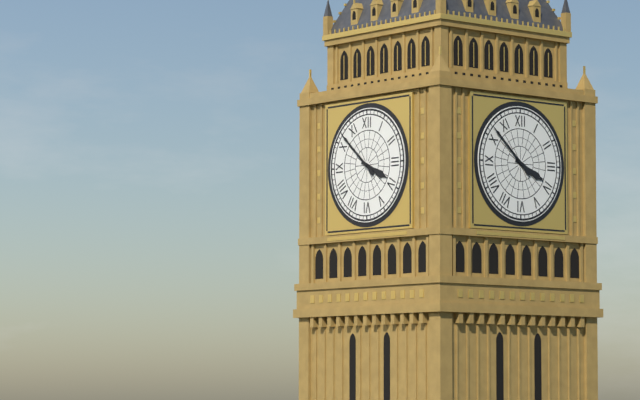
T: 3 h 52 min
